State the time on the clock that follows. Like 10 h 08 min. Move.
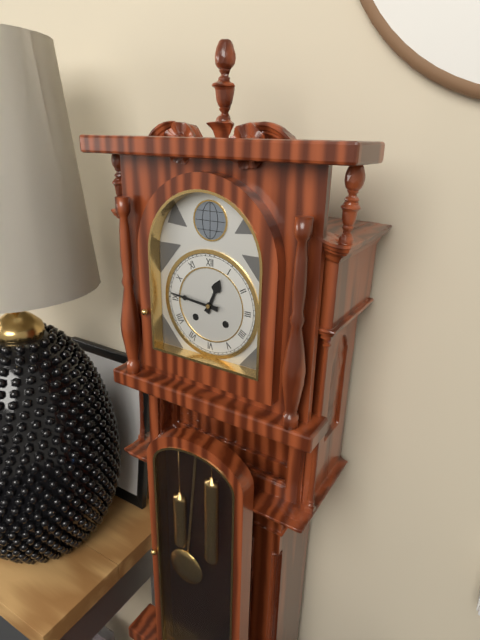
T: 12 h 46 min
